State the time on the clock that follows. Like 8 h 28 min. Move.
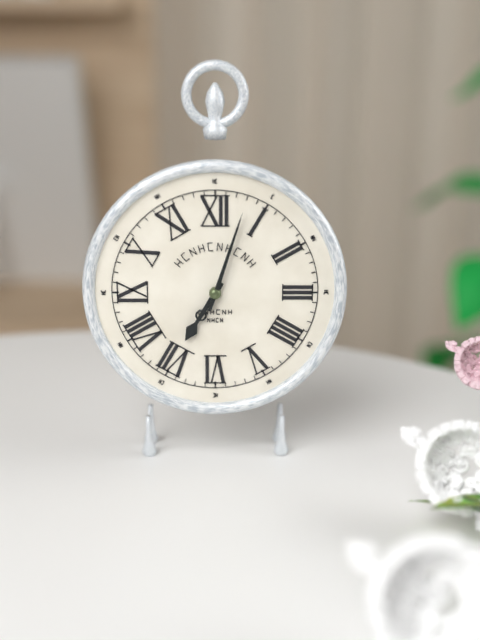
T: 7 h 03 min
